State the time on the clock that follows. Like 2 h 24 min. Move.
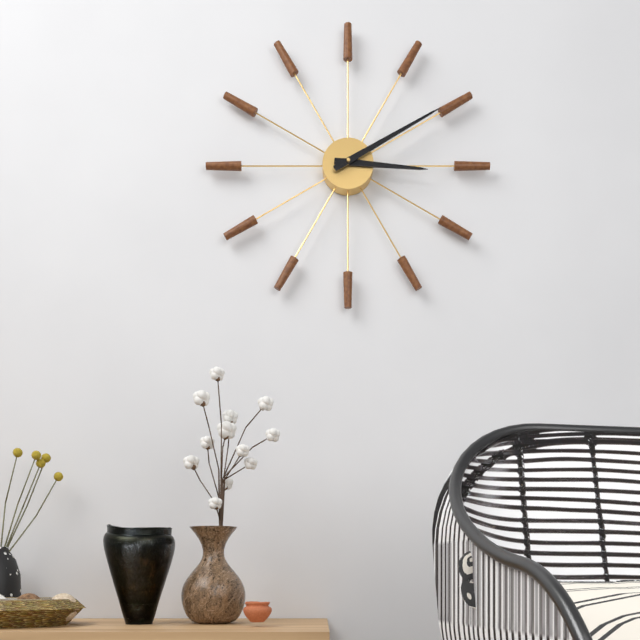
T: 3 h 10 min
